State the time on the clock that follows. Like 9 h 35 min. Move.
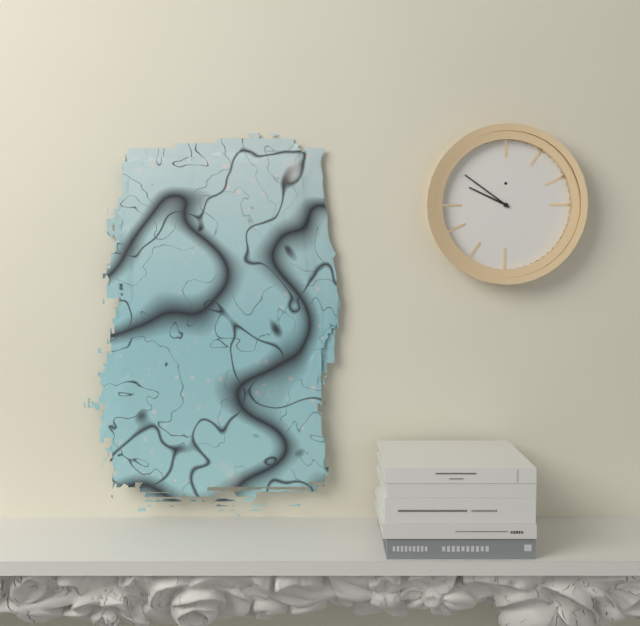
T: 9 h 51 min
